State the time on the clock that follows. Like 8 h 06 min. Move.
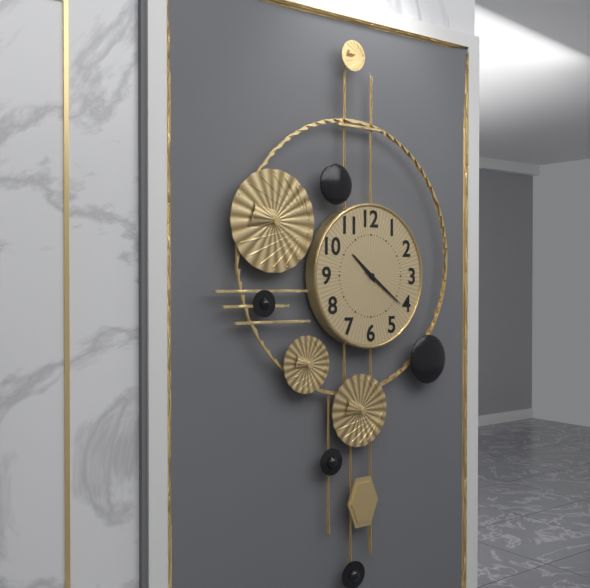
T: 10 h 21 min
